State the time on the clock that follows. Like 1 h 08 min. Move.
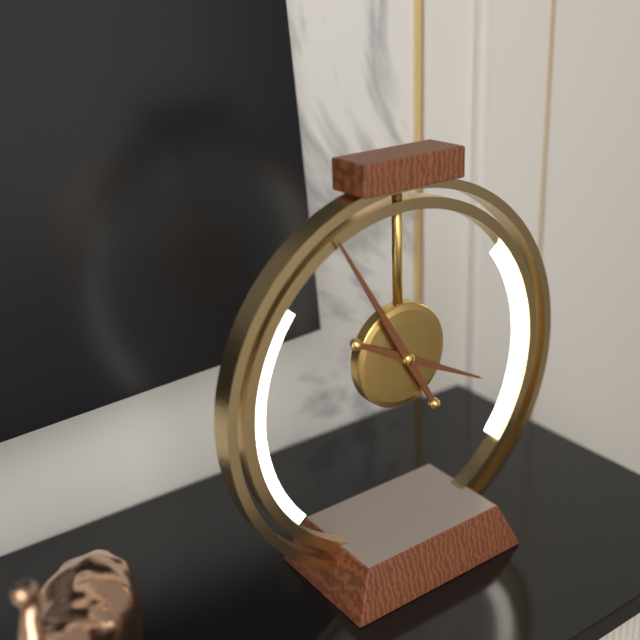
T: 3 h 55 min
